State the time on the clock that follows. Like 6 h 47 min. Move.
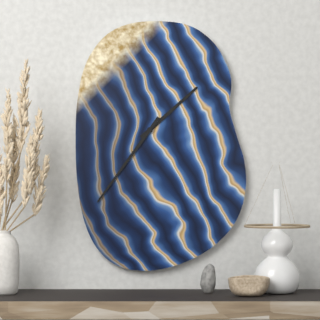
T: 1 h 36 min
